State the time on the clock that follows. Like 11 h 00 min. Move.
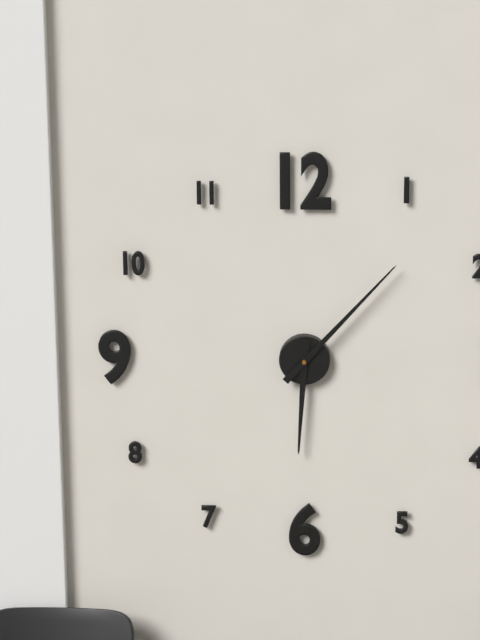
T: 6 h 07 min
